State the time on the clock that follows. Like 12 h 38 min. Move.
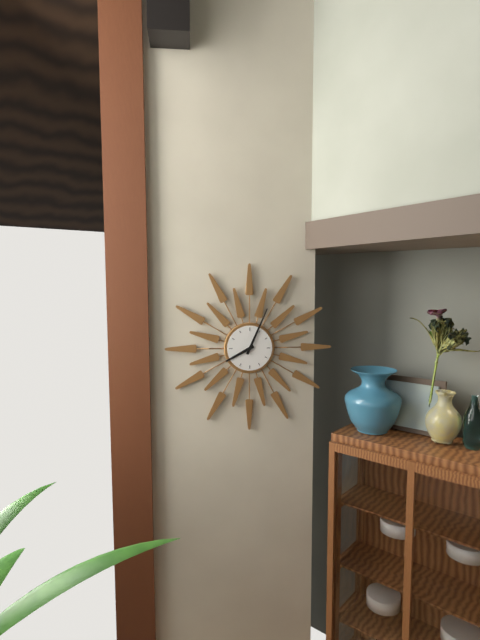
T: 8 h 04 min
